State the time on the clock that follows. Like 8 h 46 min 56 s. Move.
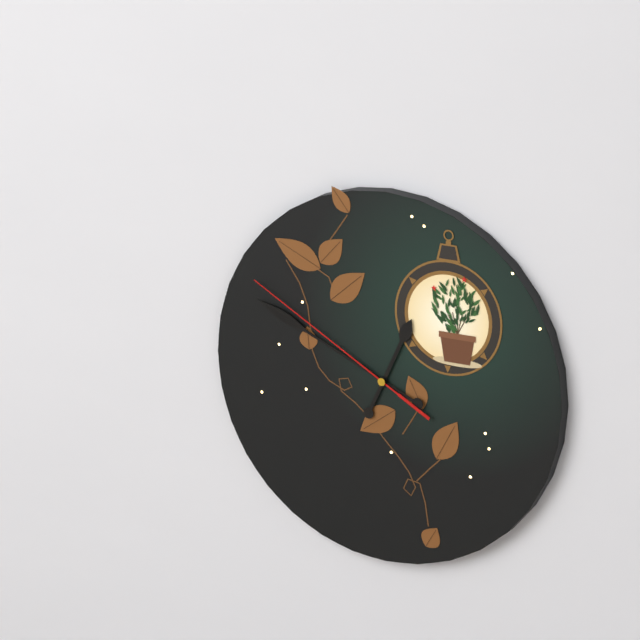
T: 12 h 49 min 50 s
